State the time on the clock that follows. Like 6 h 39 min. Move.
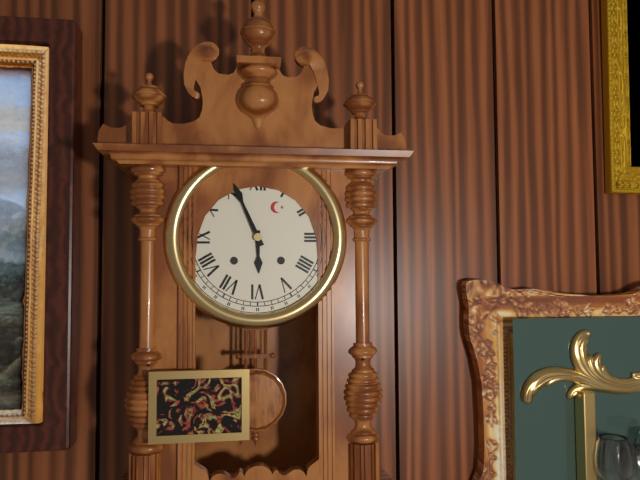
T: 5 h 56 min
